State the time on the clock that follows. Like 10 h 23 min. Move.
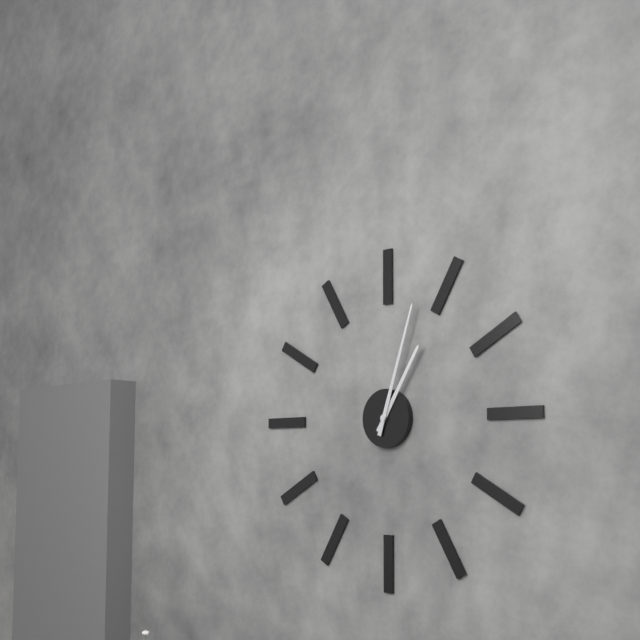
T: 1 h 03 min
